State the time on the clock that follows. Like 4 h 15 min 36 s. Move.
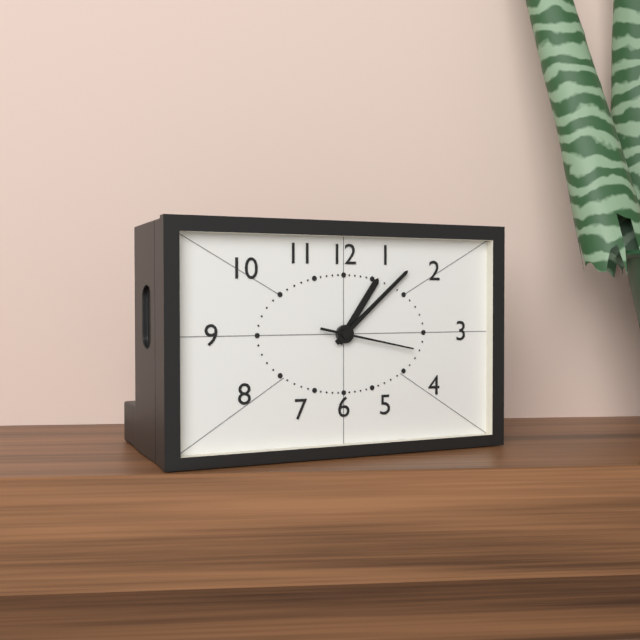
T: 1 h 08 min 17 s
